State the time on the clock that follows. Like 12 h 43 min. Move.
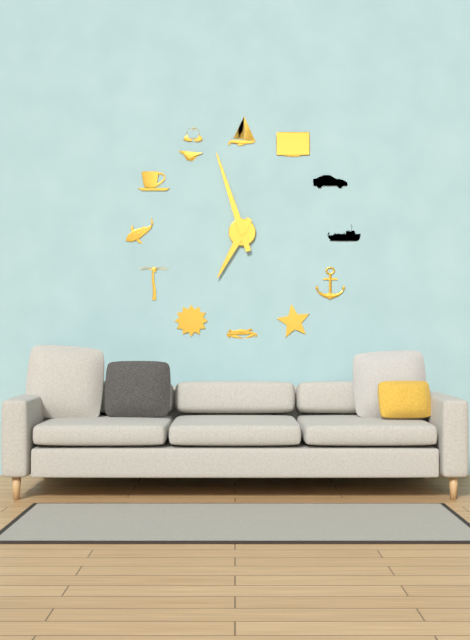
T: 6 h 57 min
